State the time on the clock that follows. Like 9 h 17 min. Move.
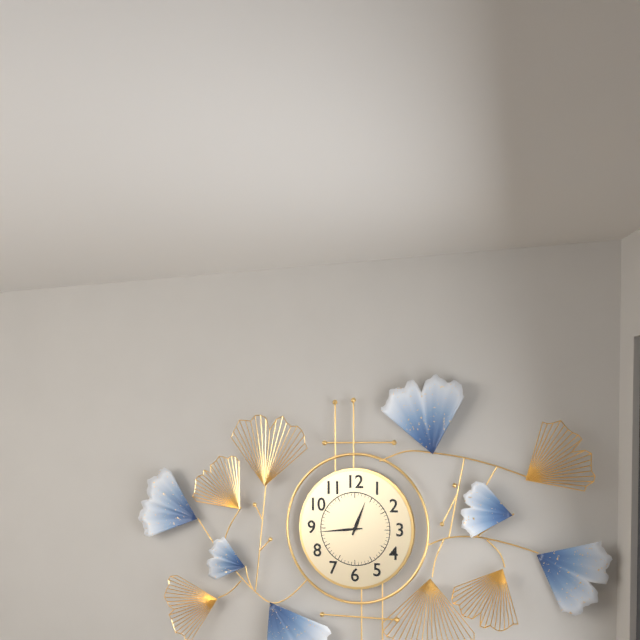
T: 12 h 44 min
